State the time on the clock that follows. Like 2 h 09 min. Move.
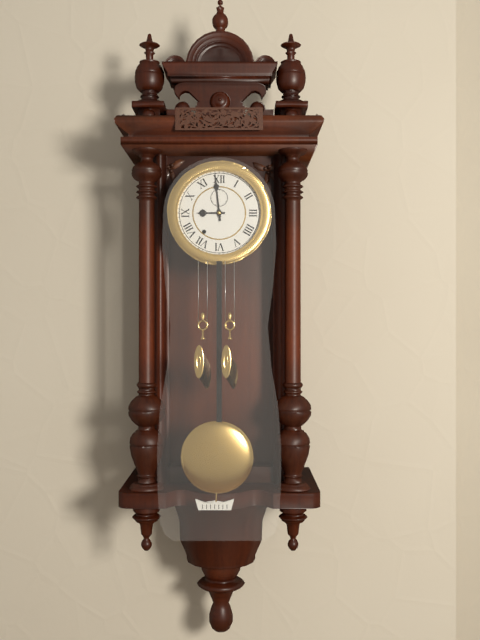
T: 8 h 59 min
